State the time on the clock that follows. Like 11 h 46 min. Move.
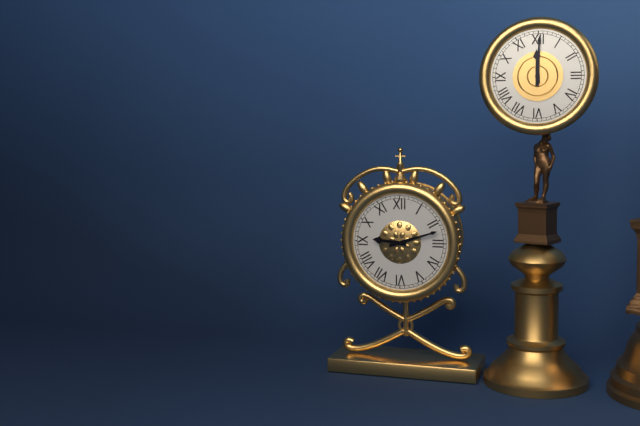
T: 9 h 12 min
